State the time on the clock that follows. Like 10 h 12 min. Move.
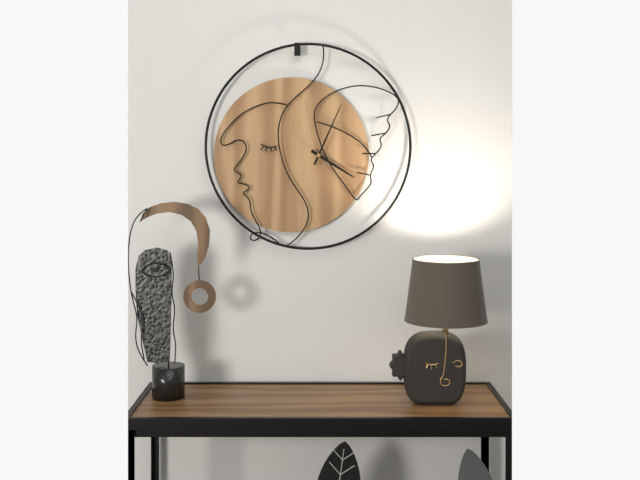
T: 4 h 04 min
